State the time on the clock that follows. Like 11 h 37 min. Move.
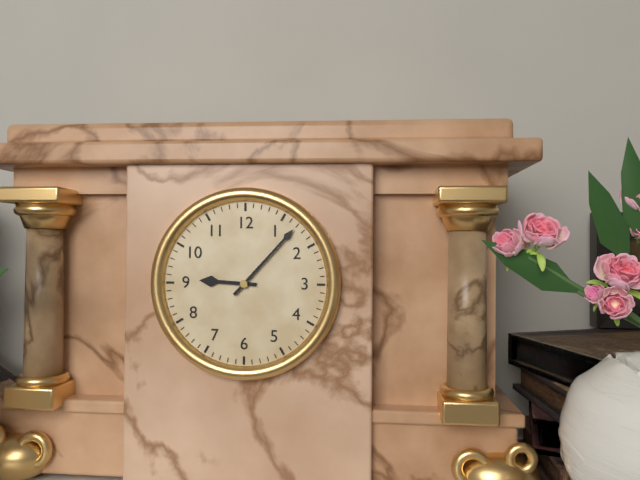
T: 9 h 07 min
